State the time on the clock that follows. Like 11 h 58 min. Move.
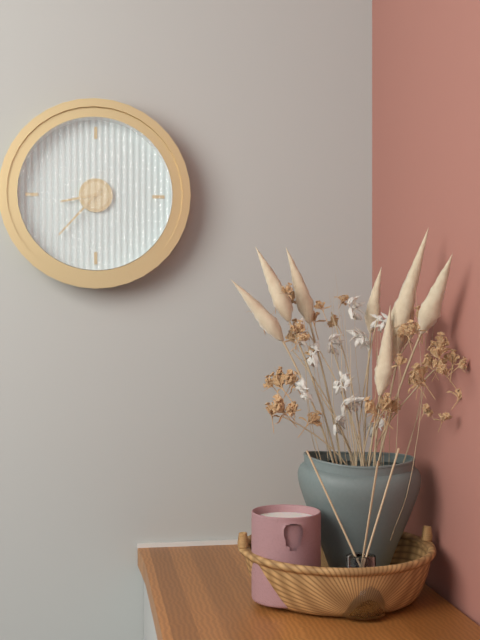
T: 8 h 37 min
